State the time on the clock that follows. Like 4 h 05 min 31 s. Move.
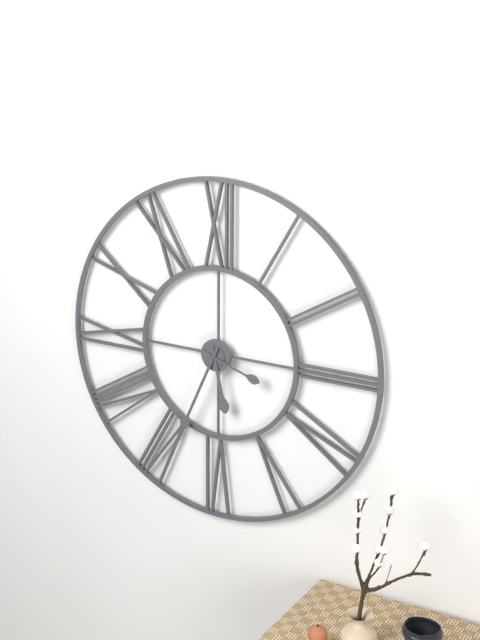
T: 5 h 34 min 18 s
